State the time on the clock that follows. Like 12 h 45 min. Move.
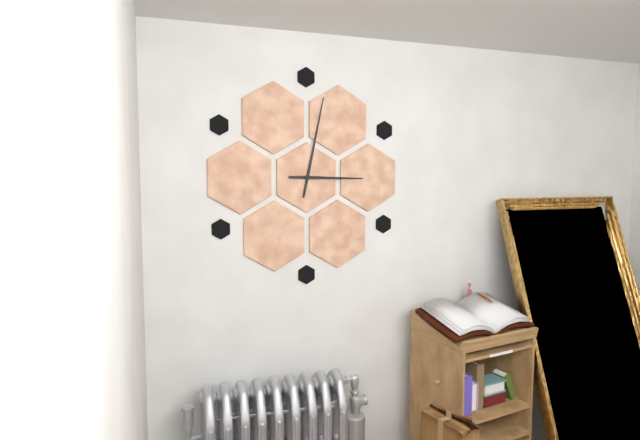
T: 3 h 02 min
